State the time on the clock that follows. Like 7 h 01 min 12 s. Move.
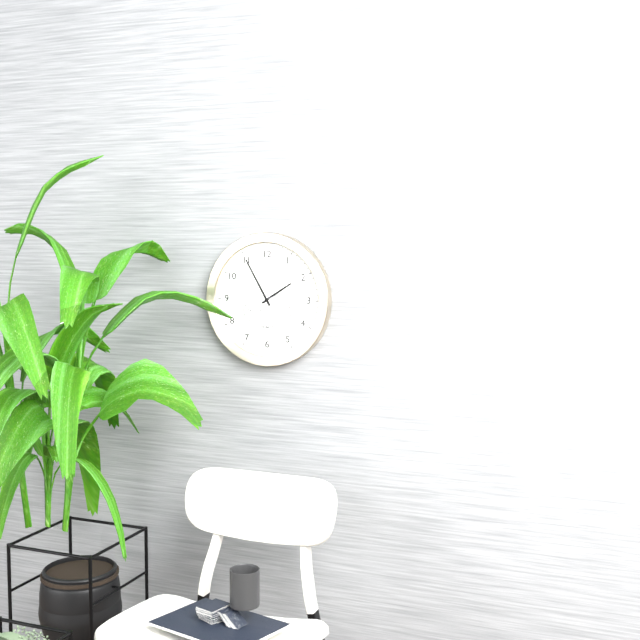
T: 1 h 55 min 11 s
